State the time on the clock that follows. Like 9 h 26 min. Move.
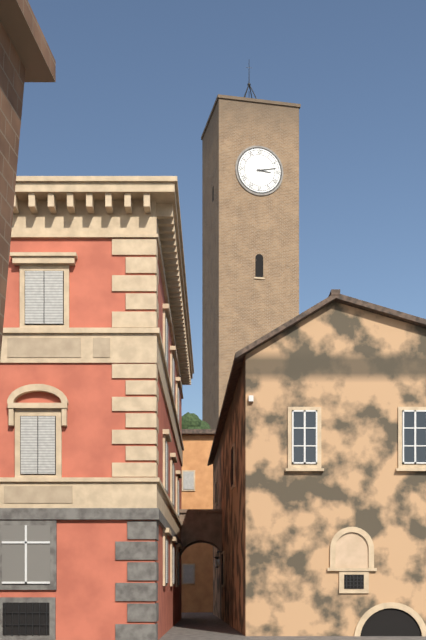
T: 3 h 13 min
